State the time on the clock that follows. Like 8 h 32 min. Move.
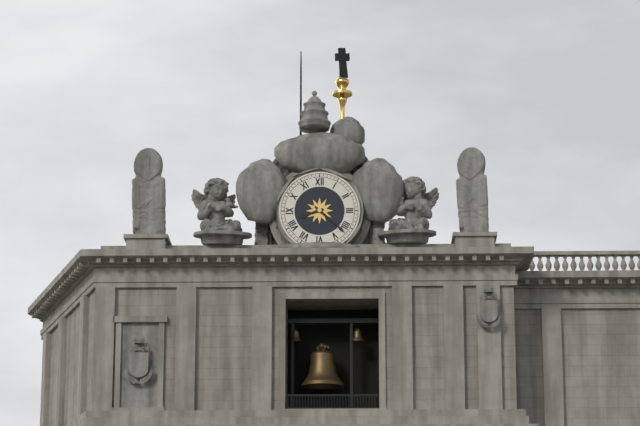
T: 8 h 22 min
